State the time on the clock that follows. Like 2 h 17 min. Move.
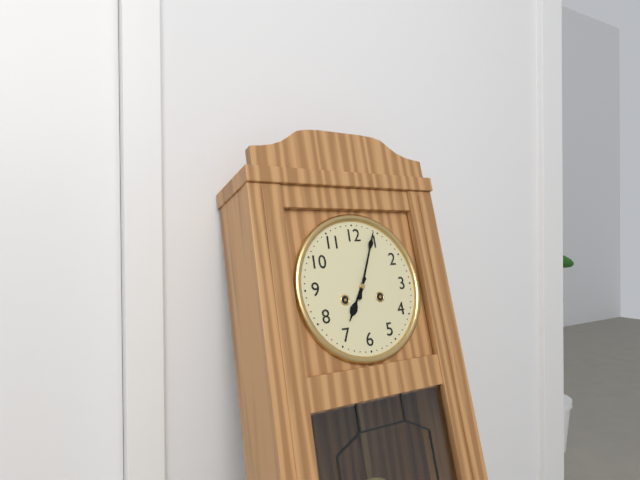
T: 7 h 04 min
